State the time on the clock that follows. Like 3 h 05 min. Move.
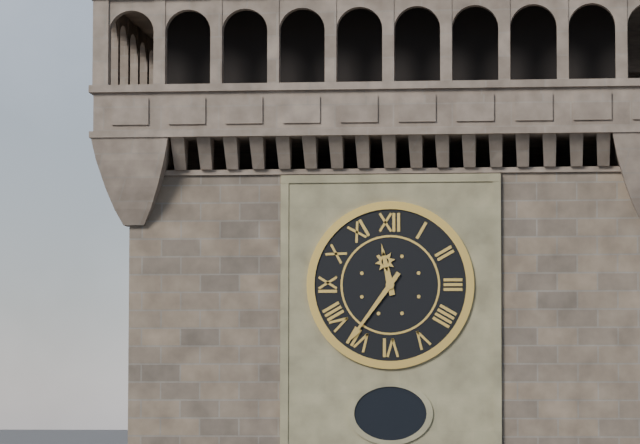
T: 11 h 36 min
